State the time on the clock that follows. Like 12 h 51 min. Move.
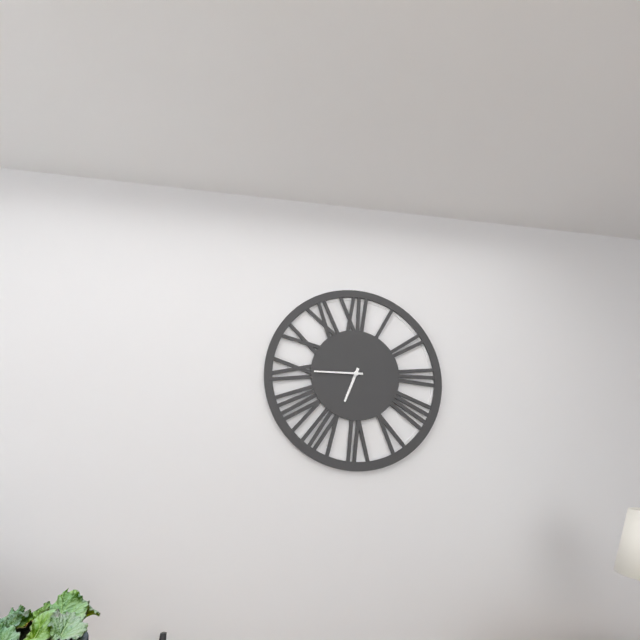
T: 6 h 45 min
